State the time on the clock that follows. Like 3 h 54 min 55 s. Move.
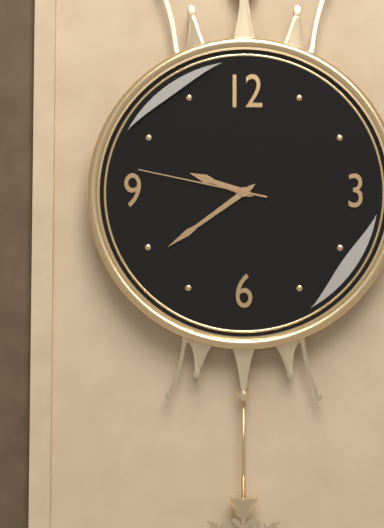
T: 9 h 39 min 47 s
